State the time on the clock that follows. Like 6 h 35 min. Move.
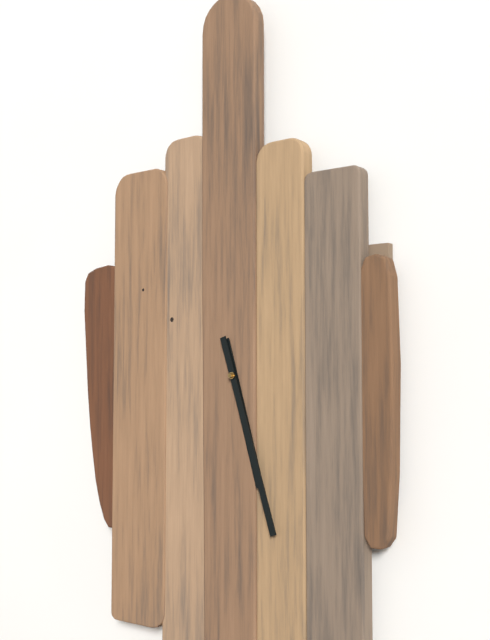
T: 5 h 27 min
